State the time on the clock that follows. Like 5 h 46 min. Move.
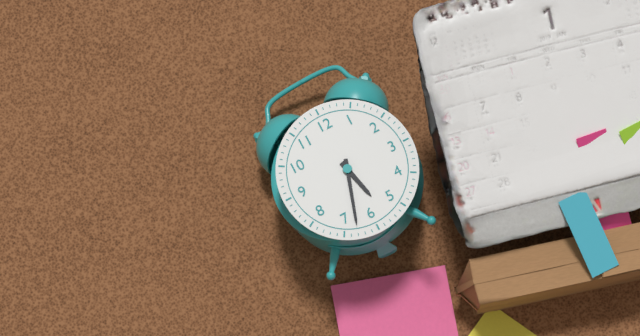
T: 5 h 33 min
